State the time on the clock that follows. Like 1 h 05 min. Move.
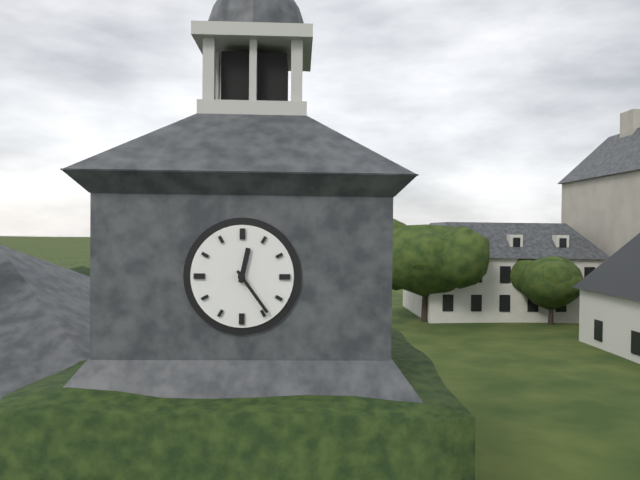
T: 12 h 24 min
